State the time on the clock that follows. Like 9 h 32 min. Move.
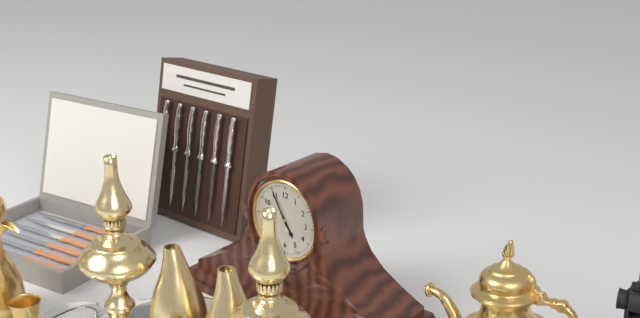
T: 4 h 55 min
